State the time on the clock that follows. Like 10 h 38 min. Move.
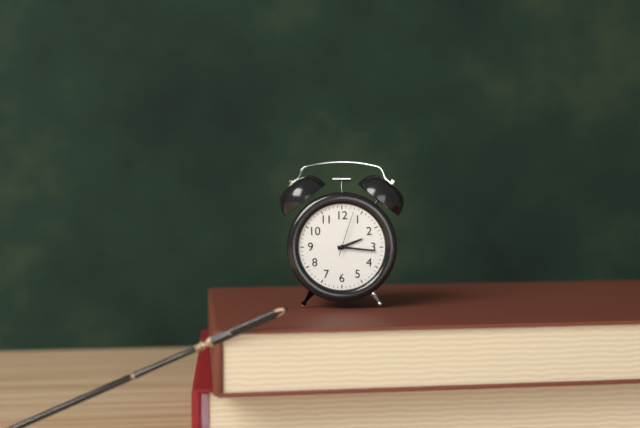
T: 2 h 16 min
